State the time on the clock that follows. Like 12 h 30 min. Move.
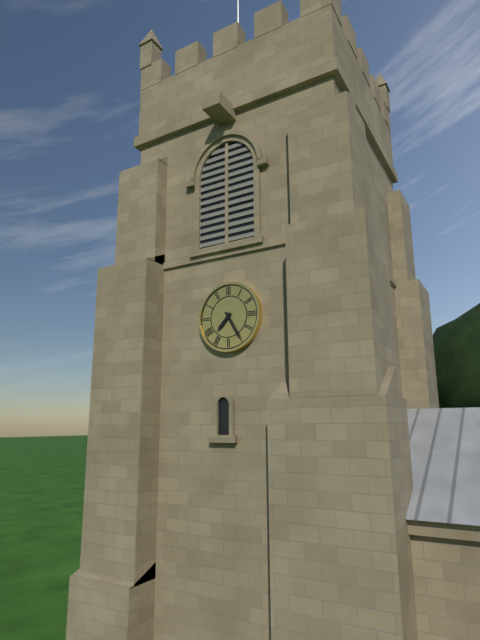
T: 7 h 25 min
